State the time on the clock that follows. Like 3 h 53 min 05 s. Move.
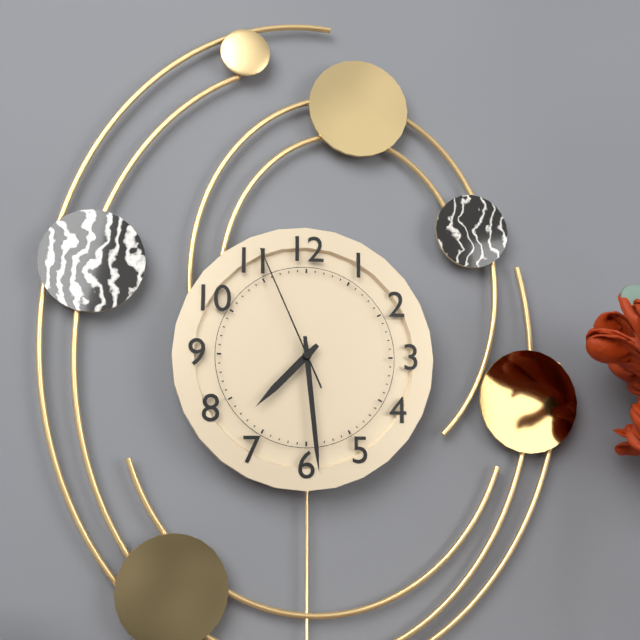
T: 7 h 29 min 56 s
